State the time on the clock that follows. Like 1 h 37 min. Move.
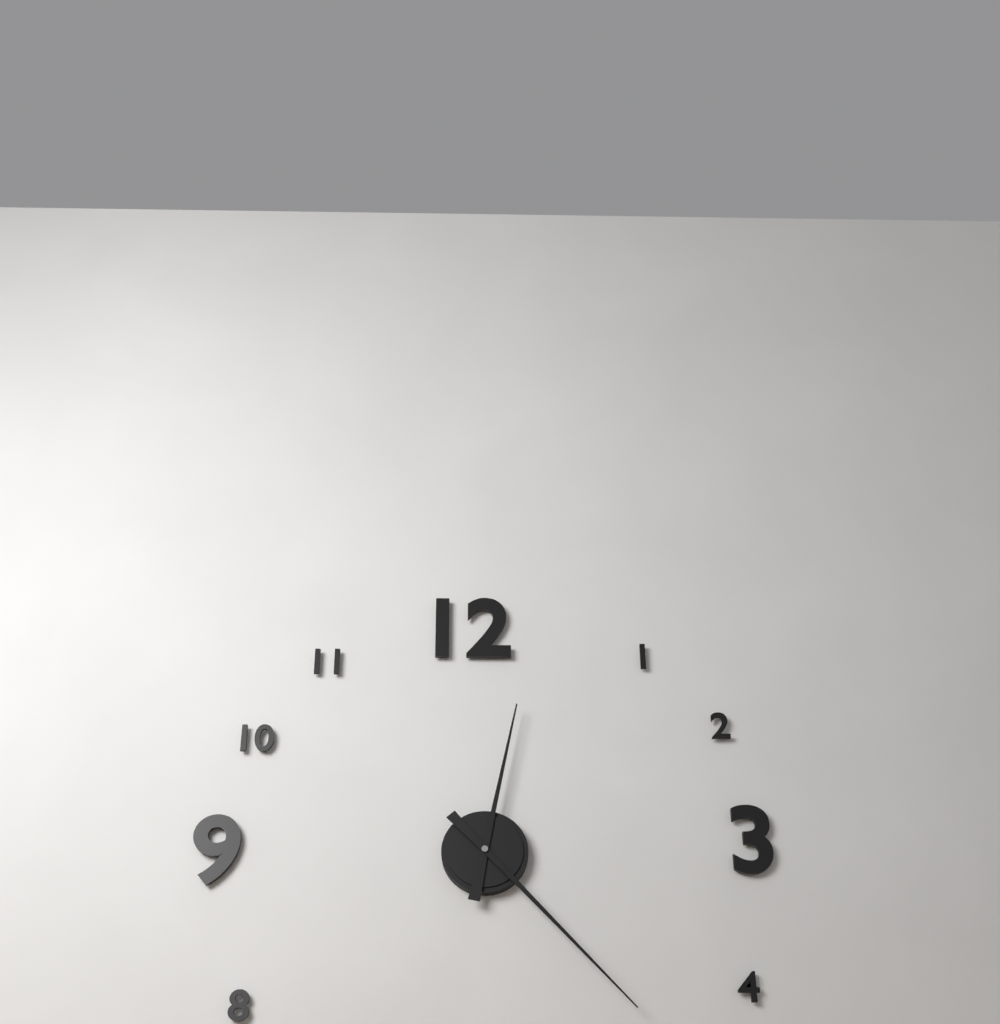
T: 12 h 23 min
